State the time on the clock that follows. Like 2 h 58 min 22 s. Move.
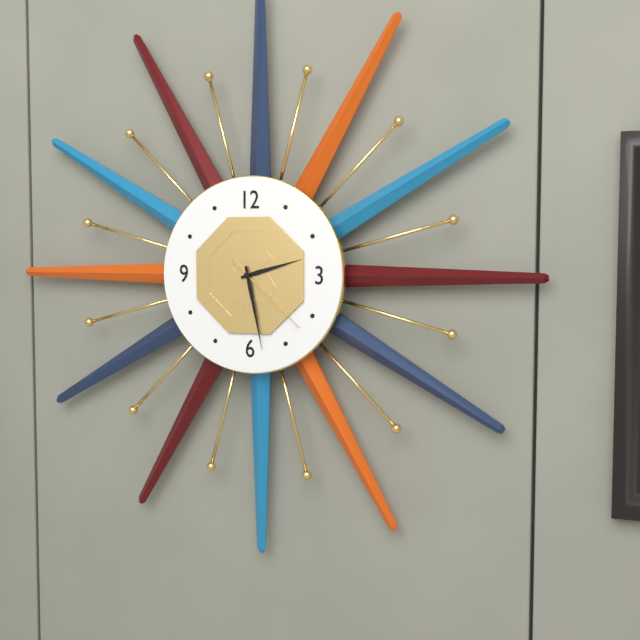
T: 2 h 28 min 22 s
